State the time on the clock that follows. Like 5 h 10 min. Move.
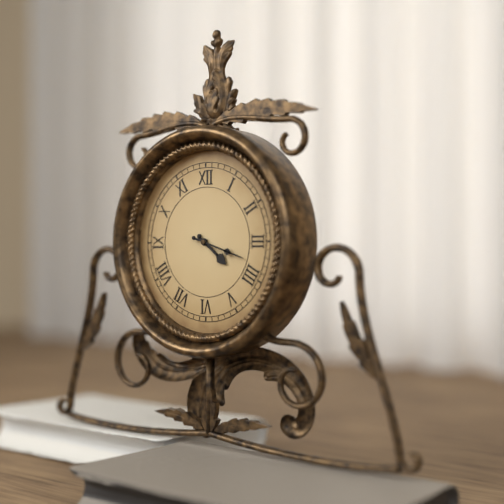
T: 4 h 18 min
